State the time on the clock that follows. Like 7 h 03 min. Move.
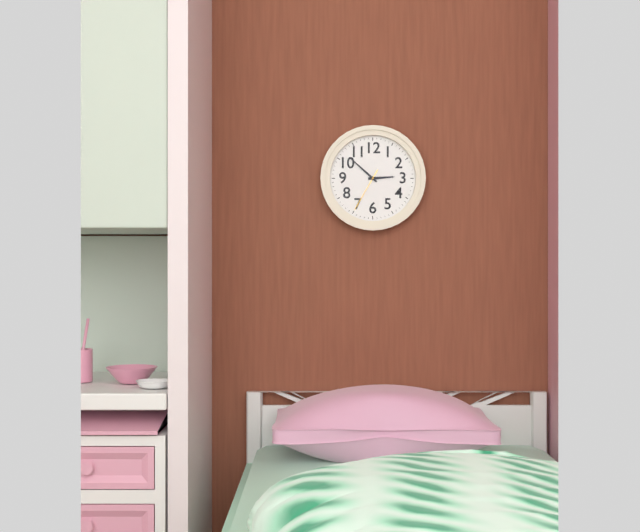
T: 2 h 52 min
